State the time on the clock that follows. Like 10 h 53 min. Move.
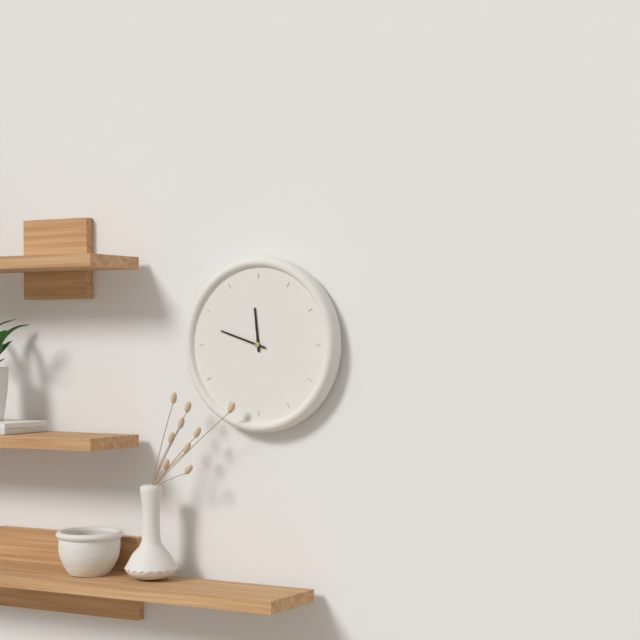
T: 11 h 48 min
